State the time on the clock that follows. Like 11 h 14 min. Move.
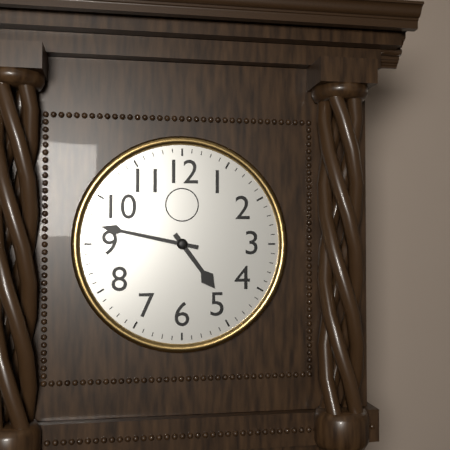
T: 4 h 47 min
